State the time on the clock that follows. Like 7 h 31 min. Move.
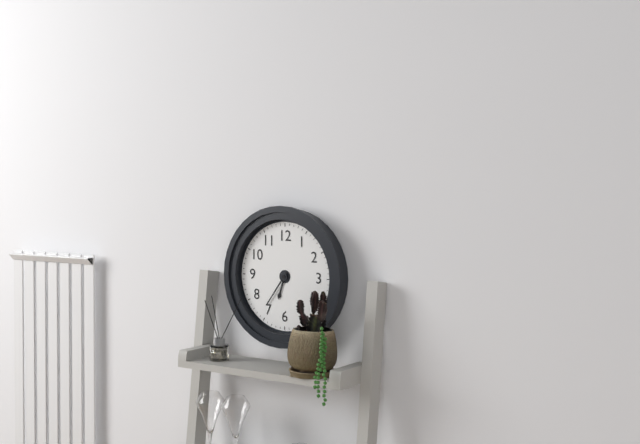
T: 6 h 36 min
